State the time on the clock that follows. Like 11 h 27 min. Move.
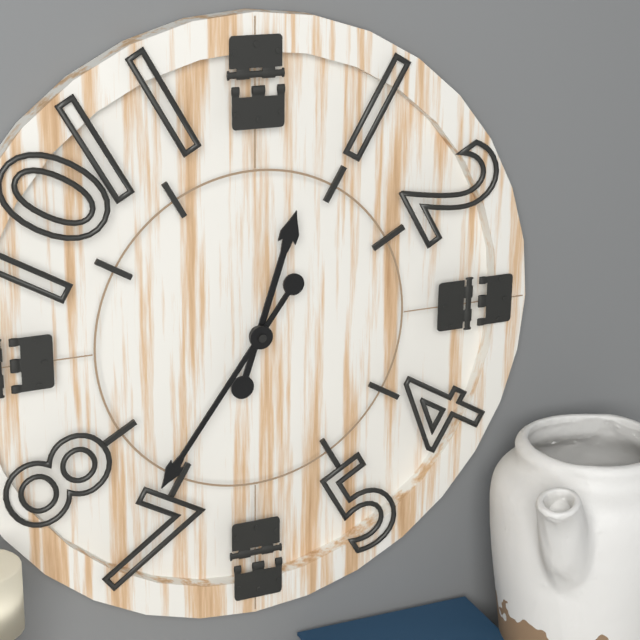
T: 12 h 36 min
